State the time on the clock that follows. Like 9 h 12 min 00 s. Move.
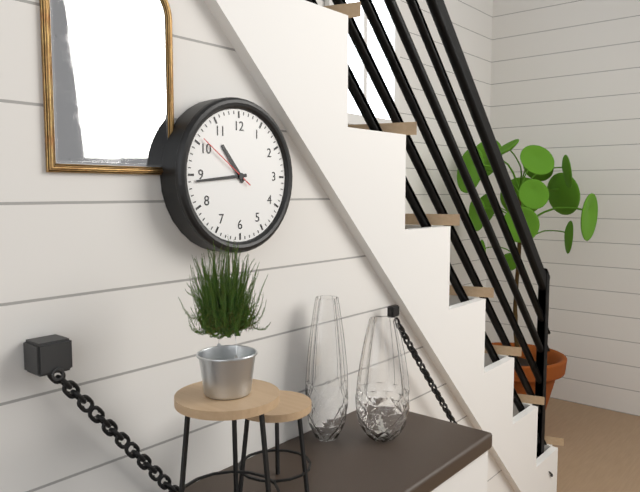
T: 10 h 44 min 51 s
